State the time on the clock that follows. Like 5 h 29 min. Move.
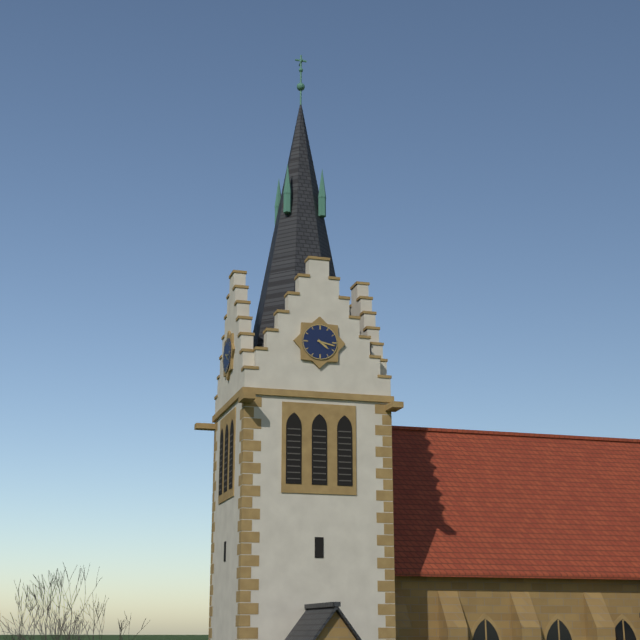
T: 4 h 17 min
